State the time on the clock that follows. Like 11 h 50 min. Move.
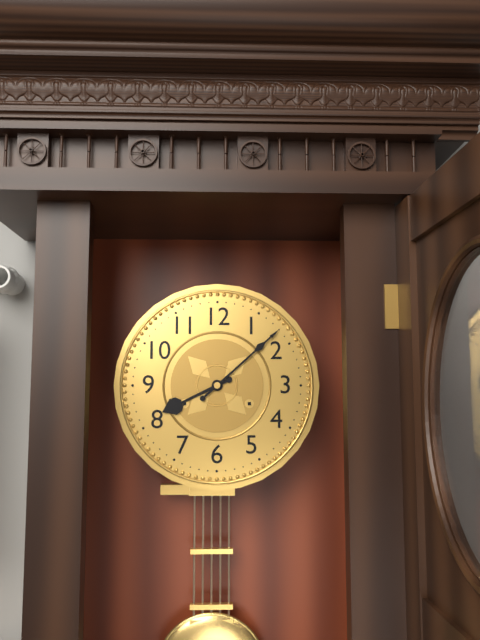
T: 8 h 08 min
